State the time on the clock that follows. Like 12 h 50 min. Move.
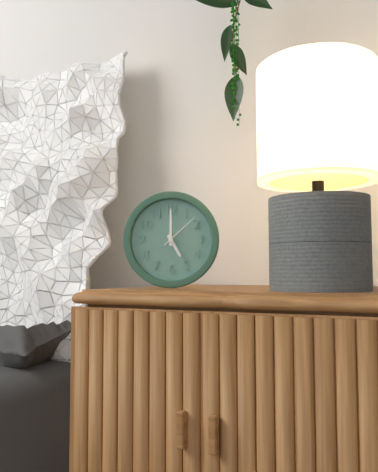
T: 5 h 00 min
